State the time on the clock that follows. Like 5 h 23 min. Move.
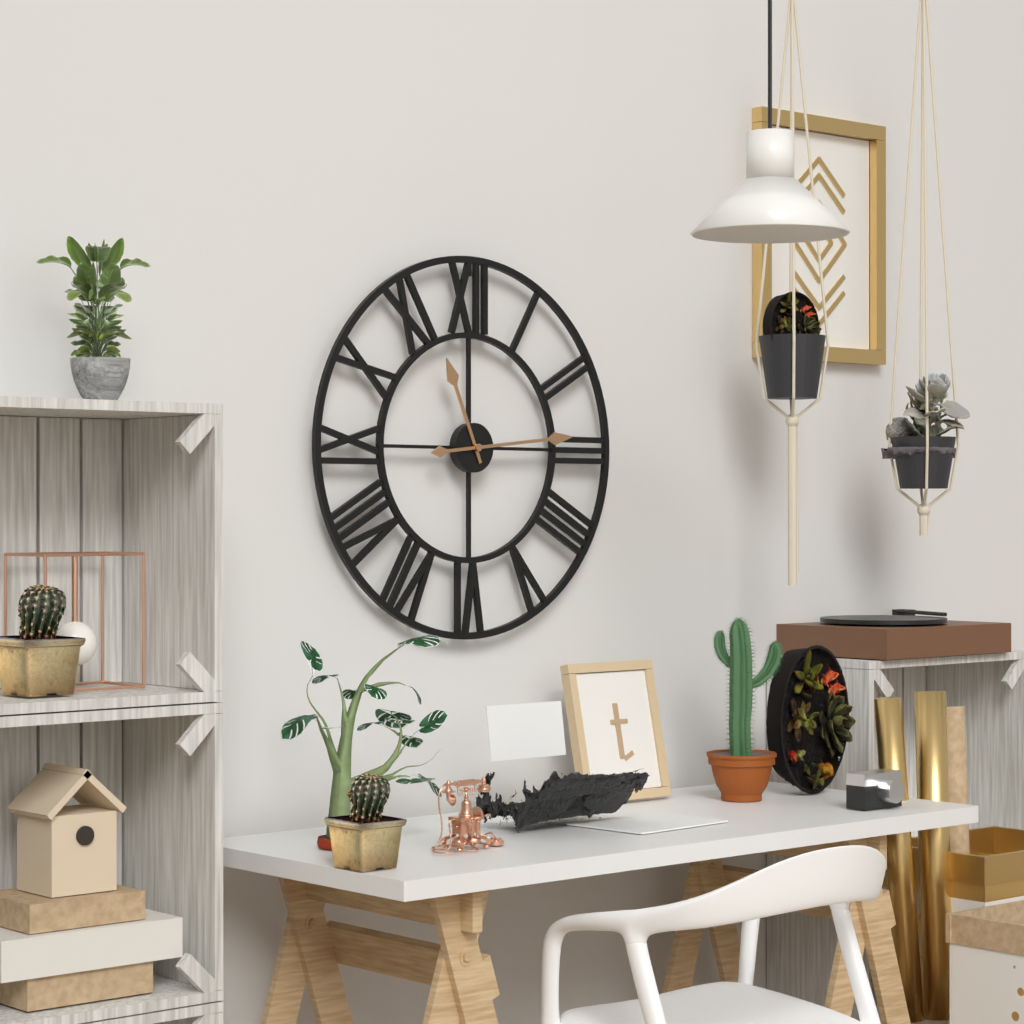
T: 11 h 14 min
